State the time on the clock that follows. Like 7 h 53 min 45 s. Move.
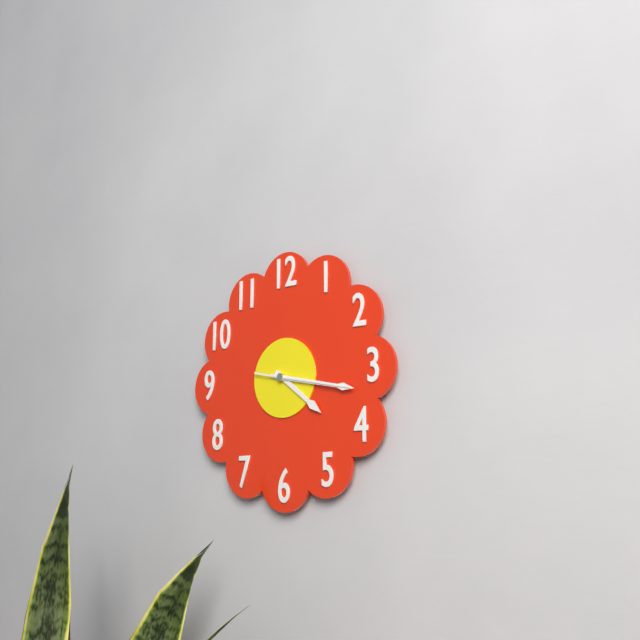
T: 4 h 17 min 17 s
